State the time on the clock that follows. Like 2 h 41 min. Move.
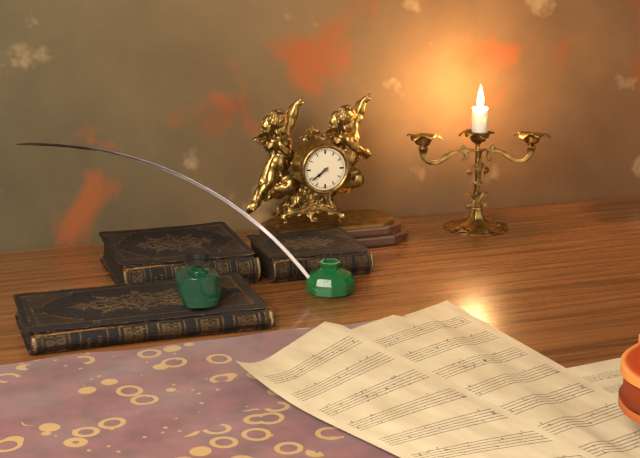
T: 7 h 39 min
